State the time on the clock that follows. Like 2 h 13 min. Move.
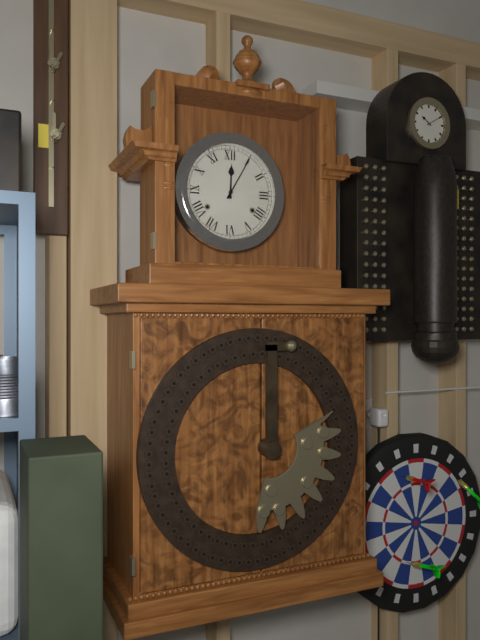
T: 12 h 05 min
